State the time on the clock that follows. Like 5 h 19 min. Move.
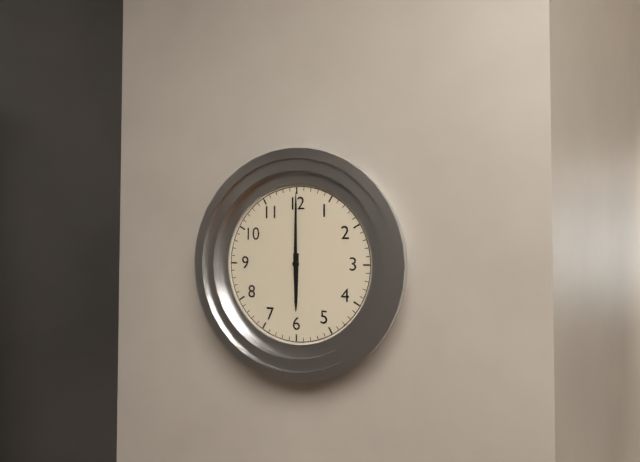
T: 6 h 00 min
